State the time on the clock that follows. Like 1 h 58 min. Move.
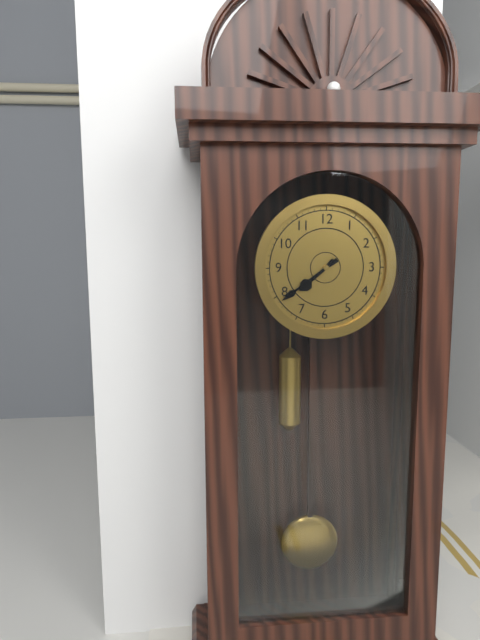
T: 7 h 39 min
